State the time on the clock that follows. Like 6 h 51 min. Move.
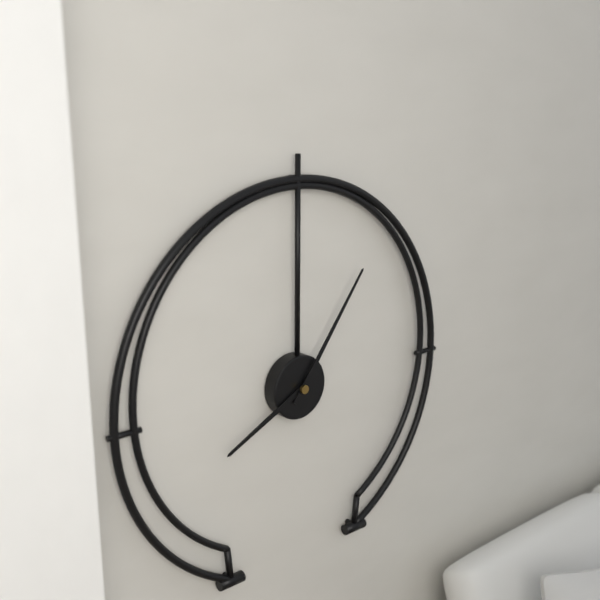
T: 8 h 06 min
